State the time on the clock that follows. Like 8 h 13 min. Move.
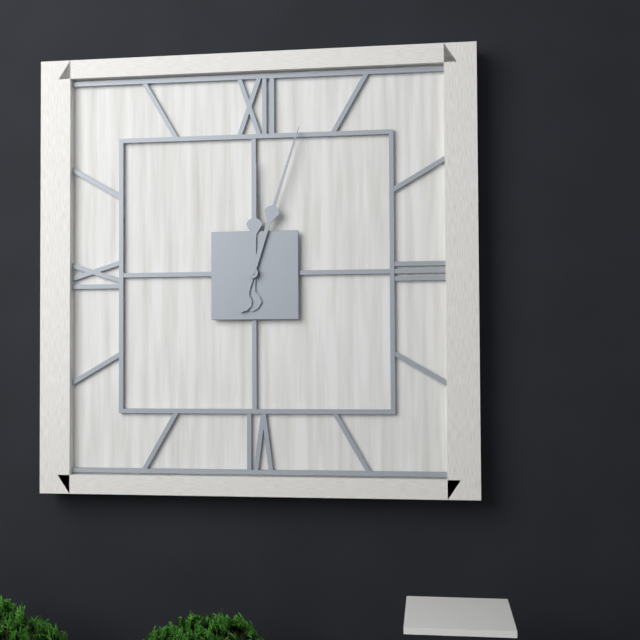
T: 12 h 03 min
